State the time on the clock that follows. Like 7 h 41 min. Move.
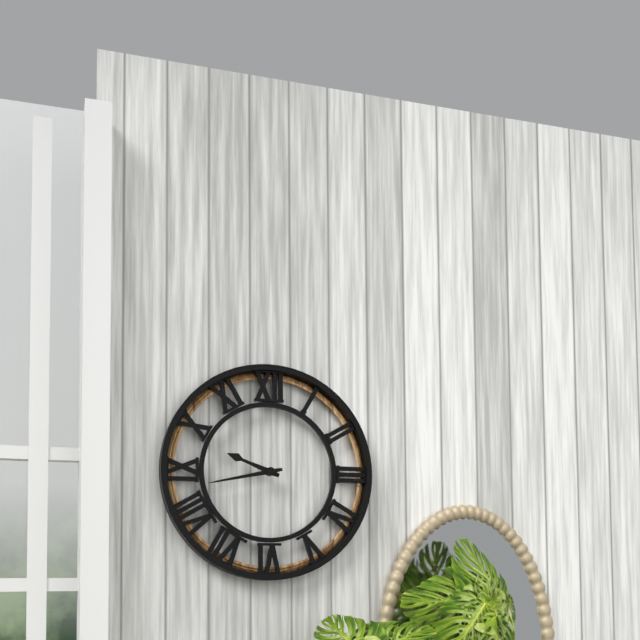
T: 9 h 43 min
